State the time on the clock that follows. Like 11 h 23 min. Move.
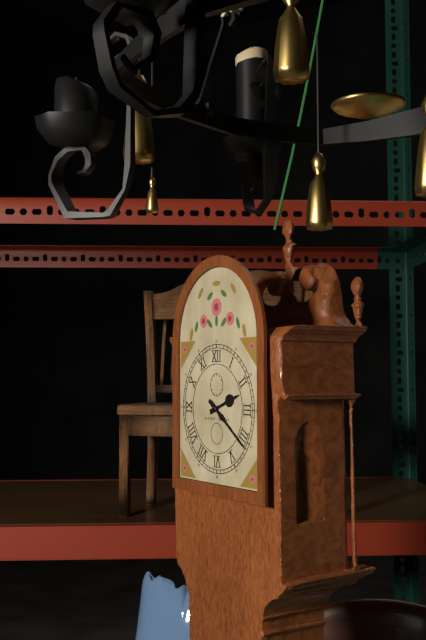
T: 2 h 21 min
